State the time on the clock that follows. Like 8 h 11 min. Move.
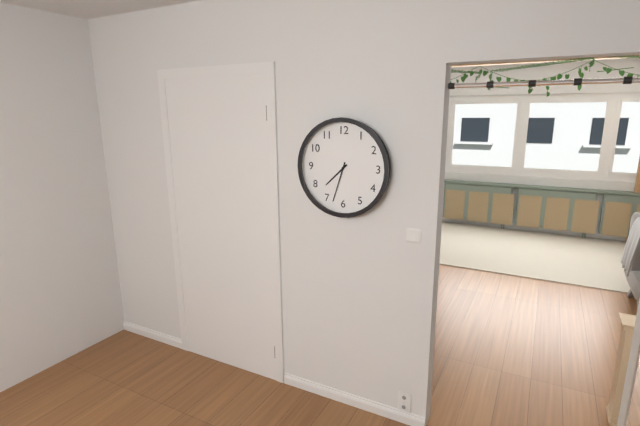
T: 7 h 33 min
